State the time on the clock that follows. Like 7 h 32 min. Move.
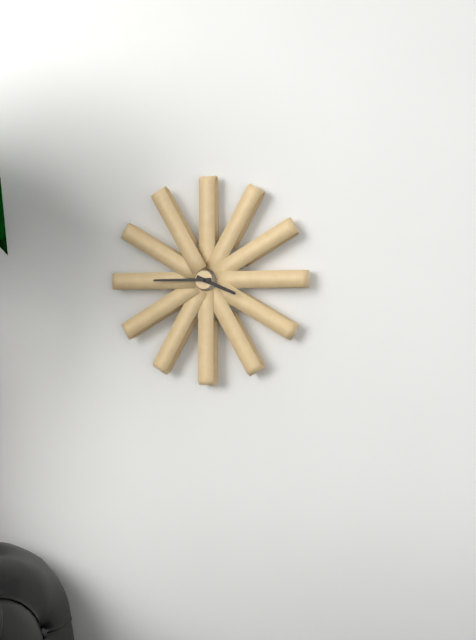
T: 3 h 45 min
